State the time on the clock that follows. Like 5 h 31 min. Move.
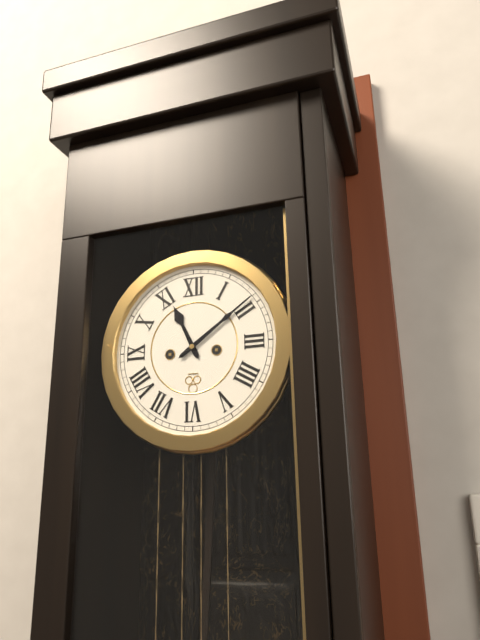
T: 11 h 09 min
